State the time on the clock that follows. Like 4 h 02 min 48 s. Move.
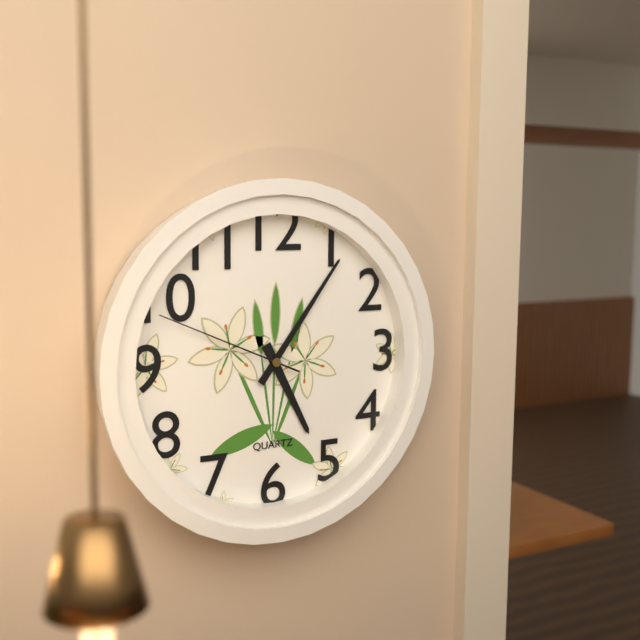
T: 5 h 06 min 49 s
